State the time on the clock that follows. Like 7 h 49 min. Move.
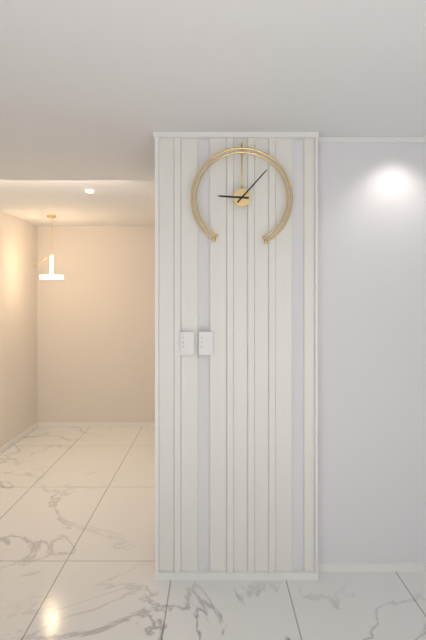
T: 9 h 07 min
